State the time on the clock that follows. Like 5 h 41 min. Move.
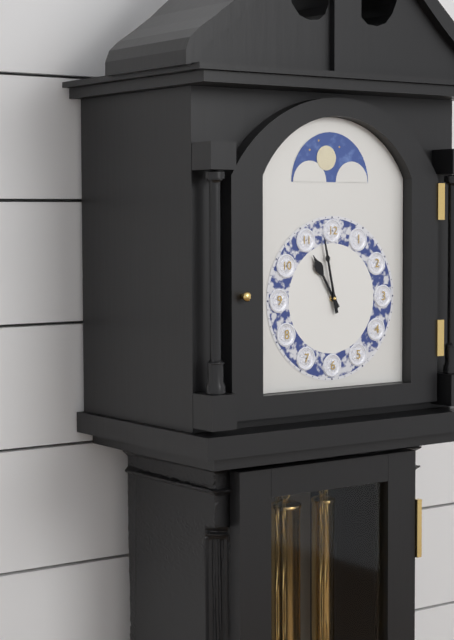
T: 10 h 58 min
